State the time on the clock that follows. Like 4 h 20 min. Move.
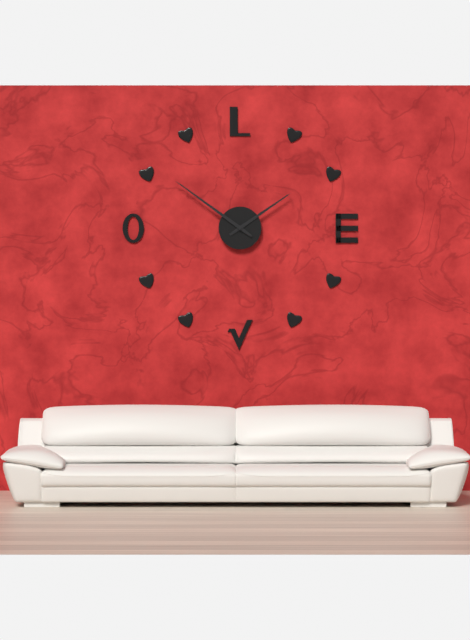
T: 1 h 51 min
